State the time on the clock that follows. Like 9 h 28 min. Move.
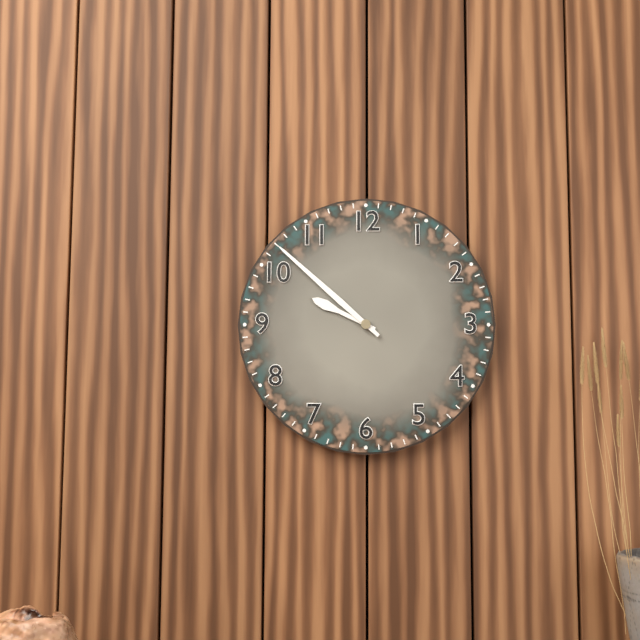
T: 9 h 52 min
